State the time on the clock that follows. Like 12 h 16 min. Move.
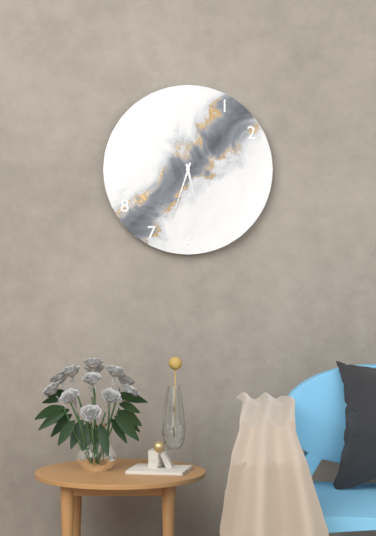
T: 5 h 33 min
